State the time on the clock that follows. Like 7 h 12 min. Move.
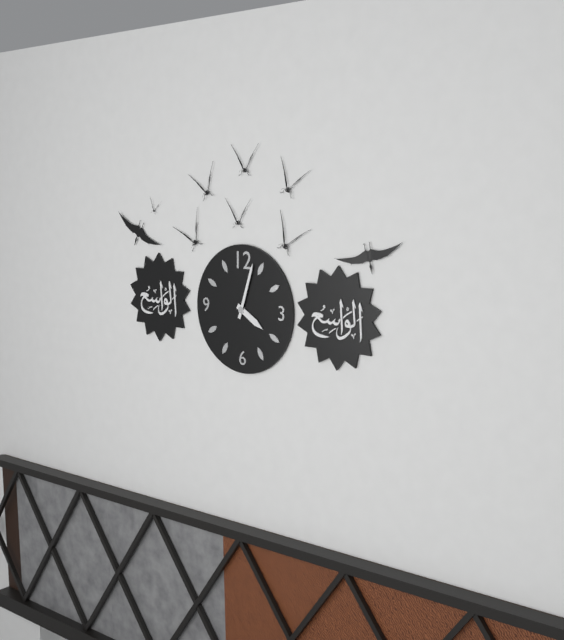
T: 4 h 03 min
